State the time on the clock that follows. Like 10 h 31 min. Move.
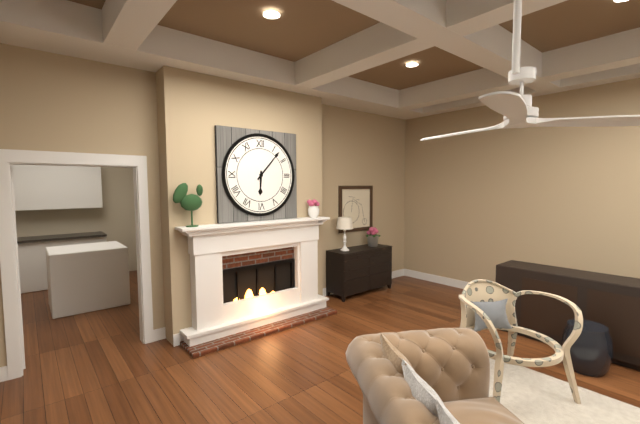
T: 6 h 07 min
